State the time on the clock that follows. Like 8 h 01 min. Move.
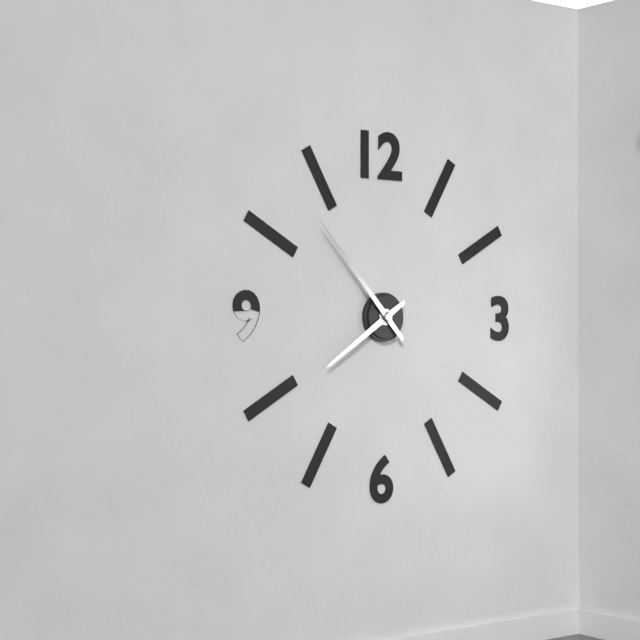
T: 7 h 53 min
